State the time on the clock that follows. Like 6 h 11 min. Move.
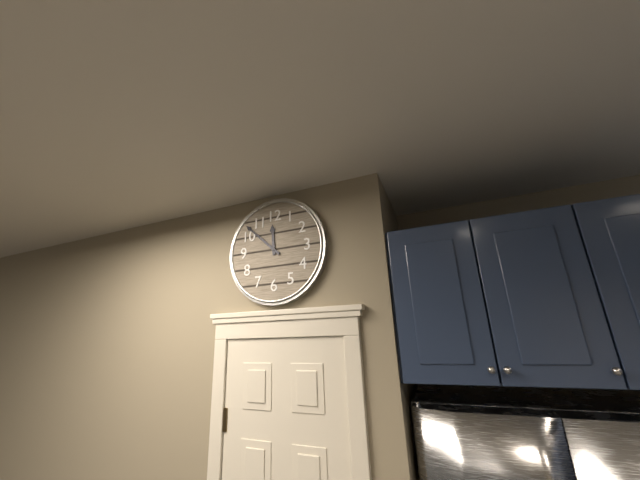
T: 11 h 52 min
